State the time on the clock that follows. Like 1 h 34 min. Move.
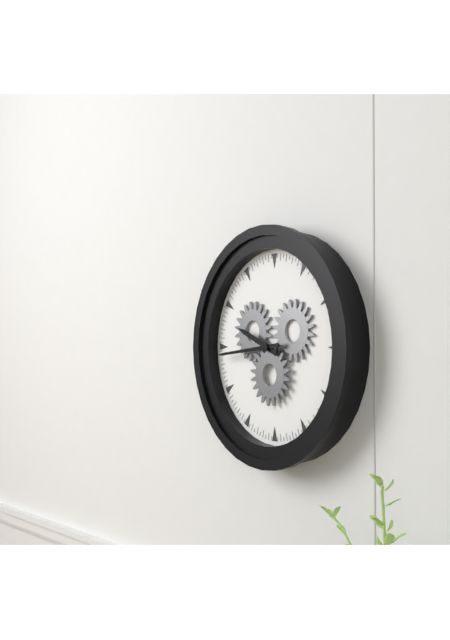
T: 9 h 44 min
